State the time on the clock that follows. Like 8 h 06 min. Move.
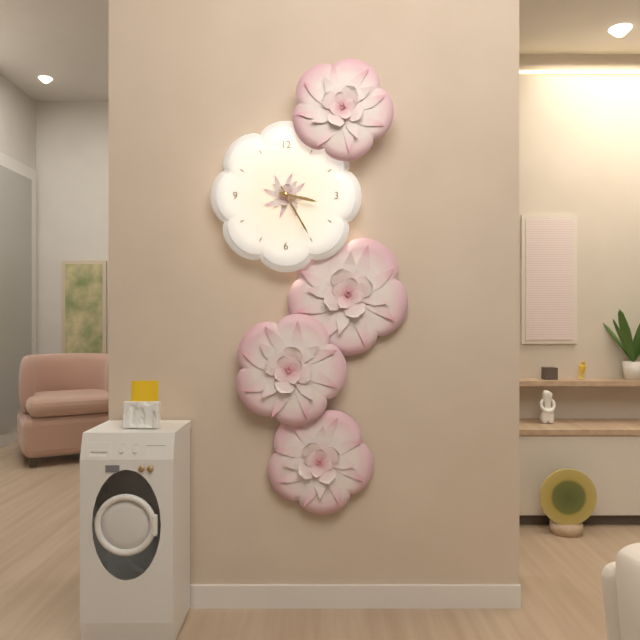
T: 3 h 25 min
